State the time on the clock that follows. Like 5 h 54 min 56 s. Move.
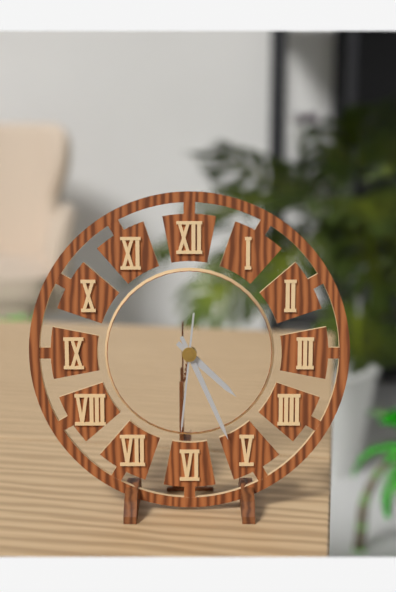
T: 4 h 26 min 31 s
